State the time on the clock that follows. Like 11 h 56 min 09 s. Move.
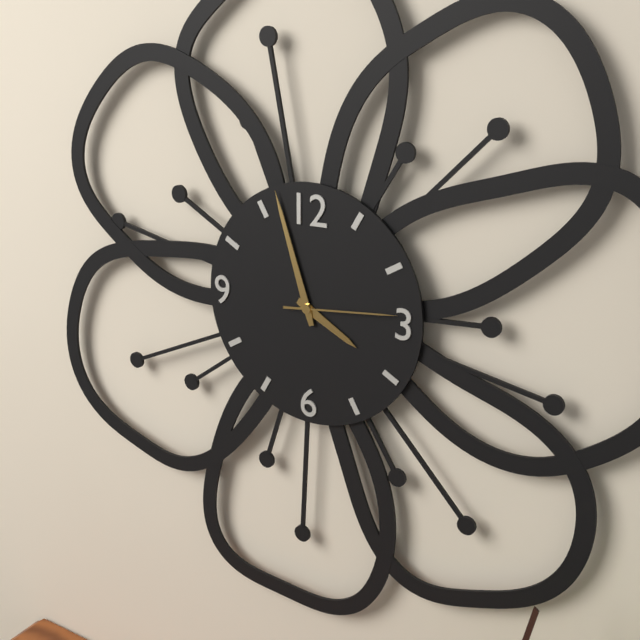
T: 3 h 57 min 14 s
